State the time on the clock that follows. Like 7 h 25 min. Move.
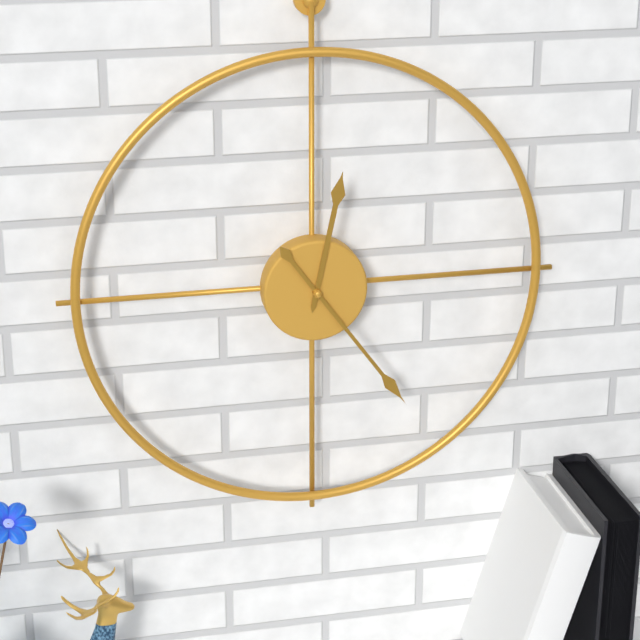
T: 12 h 24 min
